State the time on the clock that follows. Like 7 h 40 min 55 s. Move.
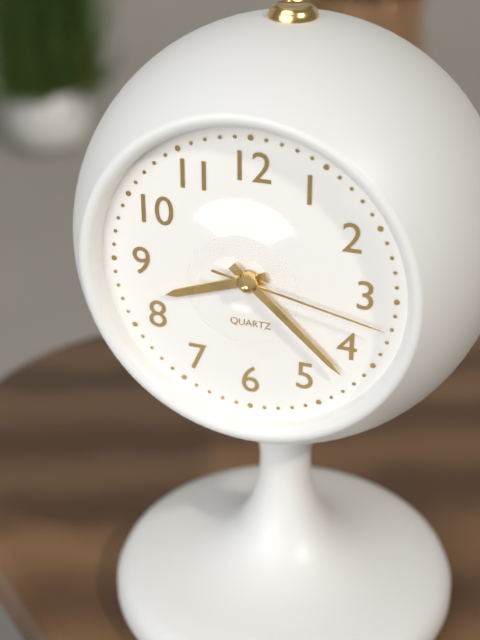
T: 8 h 22 min 17 s
